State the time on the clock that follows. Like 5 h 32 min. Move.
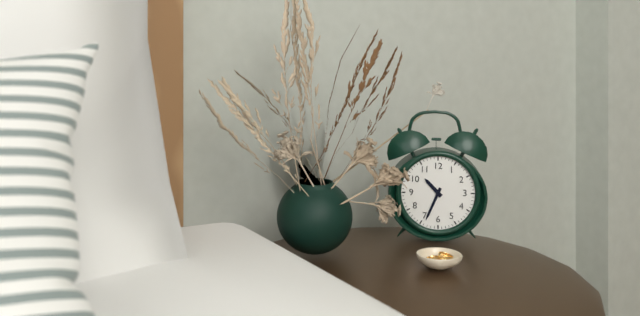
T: 10 h 34 min
